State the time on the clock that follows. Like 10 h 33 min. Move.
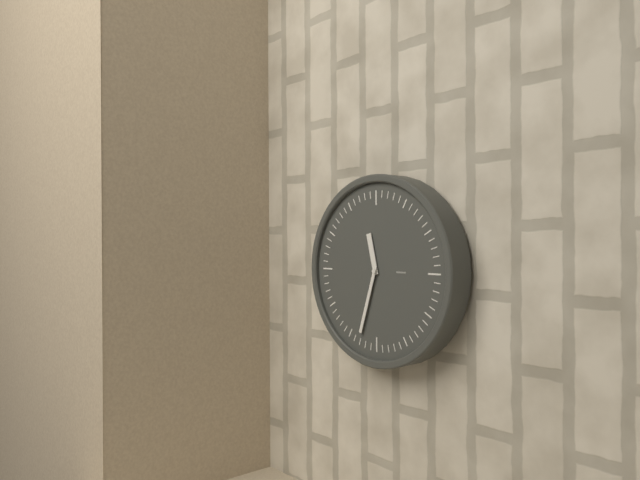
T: 11 h 33 min
